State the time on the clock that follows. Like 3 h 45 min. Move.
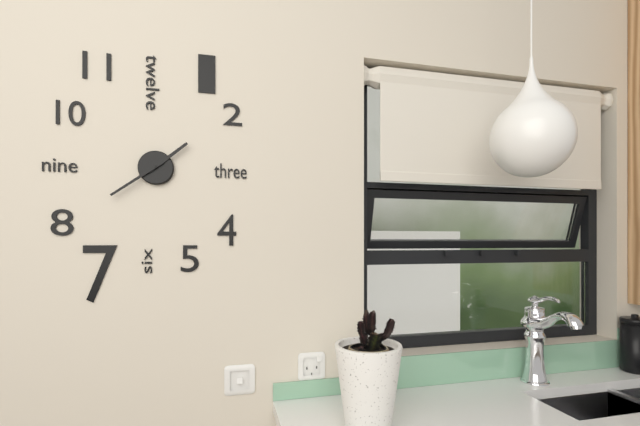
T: 1 h 39 min
